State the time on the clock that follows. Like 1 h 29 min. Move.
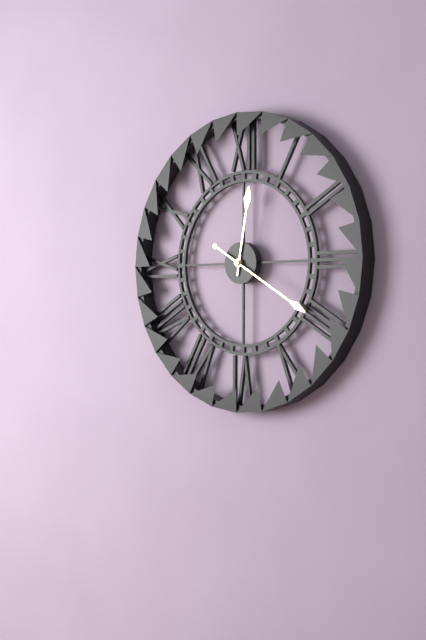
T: 12 h 20 min
